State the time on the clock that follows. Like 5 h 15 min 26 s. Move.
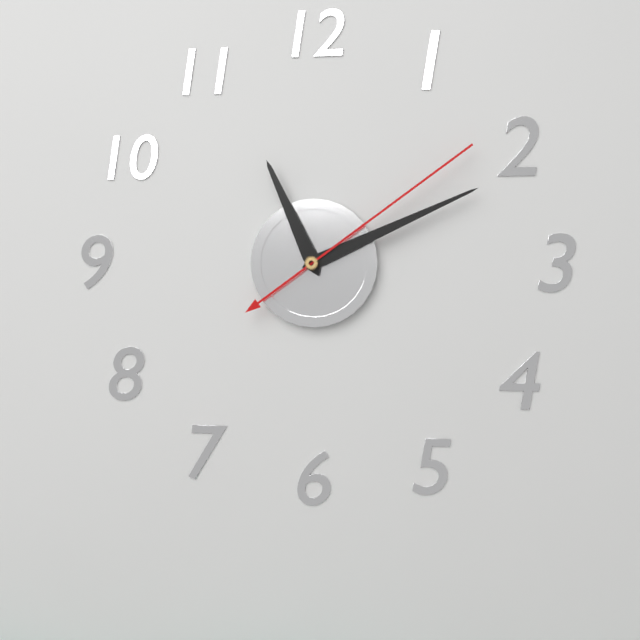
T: 11 h 11 min 09 s
